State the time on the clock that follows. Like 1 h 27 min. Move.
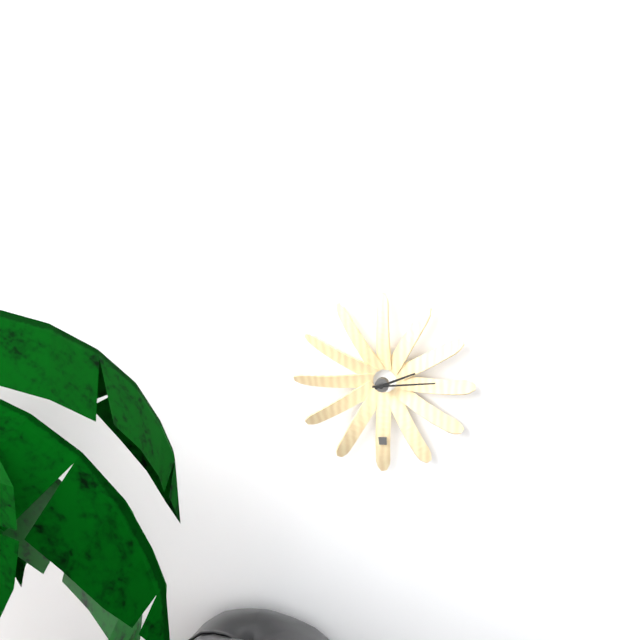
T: 2 h 14 min
